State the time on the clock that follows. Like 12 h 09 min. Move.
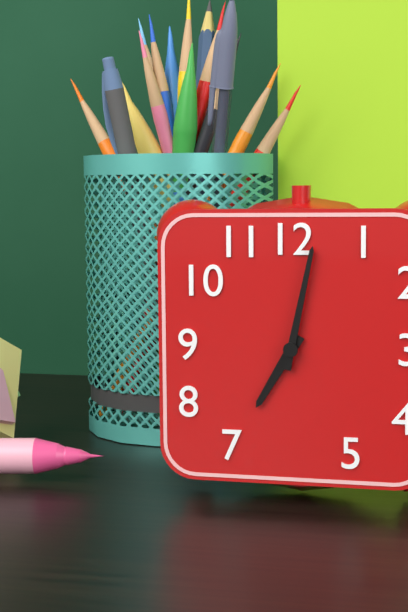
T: 7 h 02 min
